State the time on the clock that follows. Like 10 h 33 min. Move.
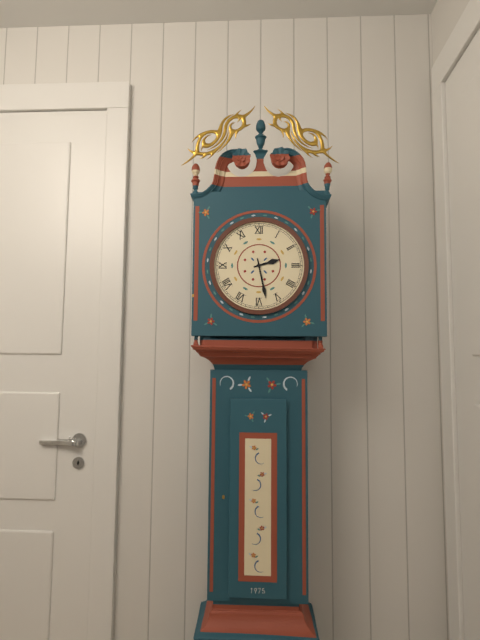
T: 2 h 28 min
